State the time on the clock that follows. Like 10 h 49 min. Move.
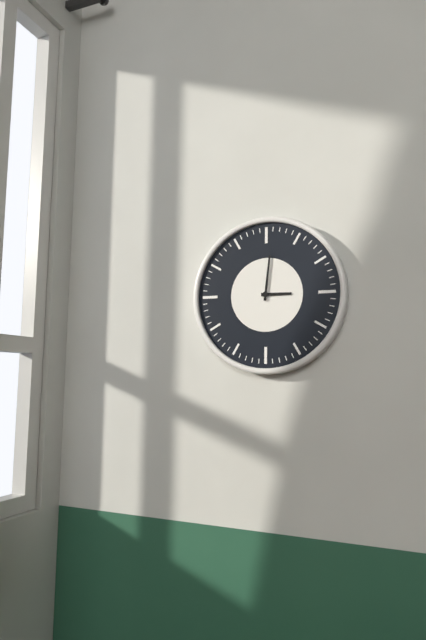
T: 3 h 01 min
